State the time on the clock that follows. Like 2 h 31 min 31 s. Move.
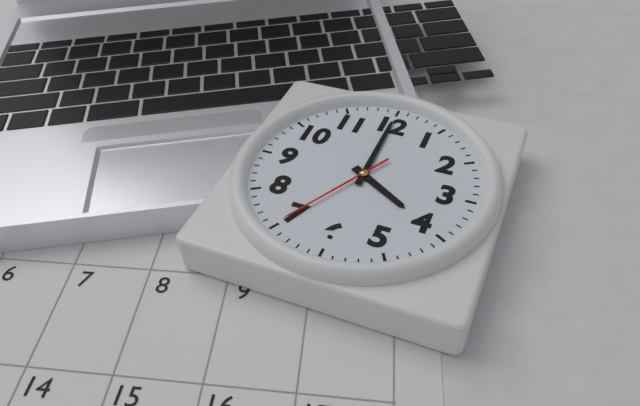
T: 4 h 00 min 35 s
